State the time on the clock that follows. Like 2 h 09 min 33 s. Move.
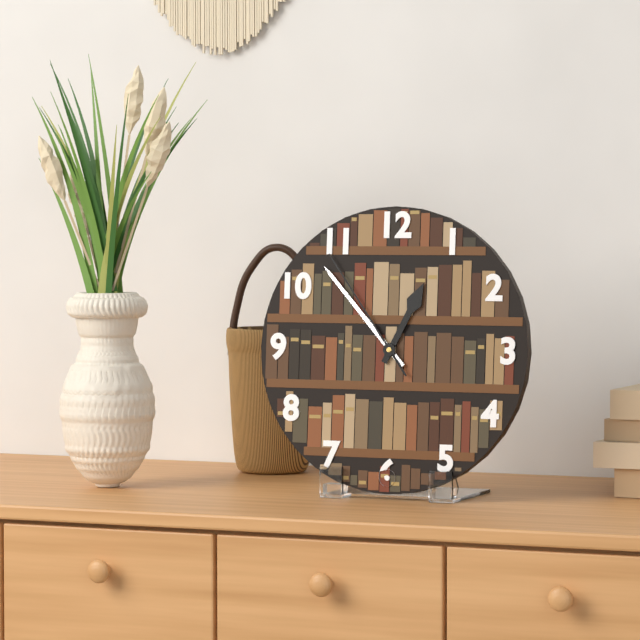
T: 12 h 53 min 54 s
